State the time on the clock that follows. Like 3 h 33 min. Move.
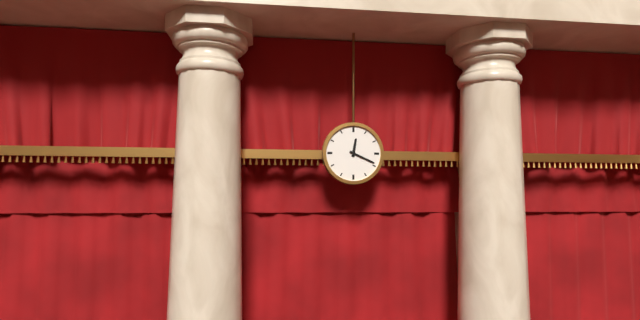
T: 12 h 19 min
